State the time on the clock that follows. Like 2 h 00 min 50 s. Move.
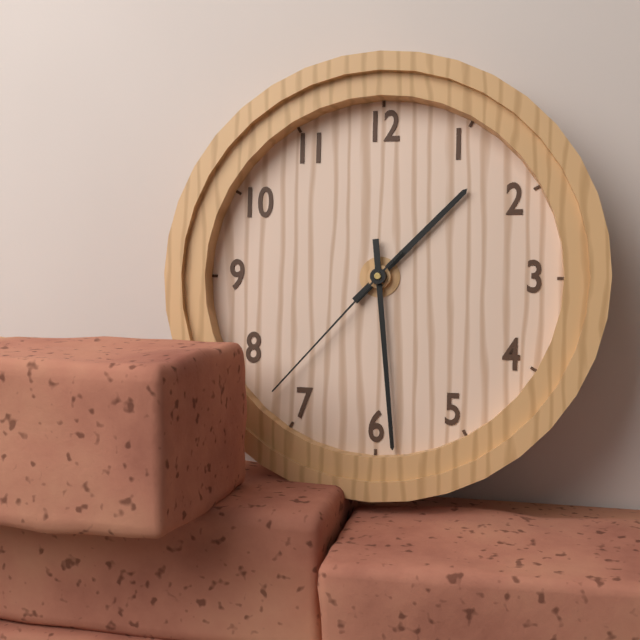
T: 1 h 29 min 37 s
